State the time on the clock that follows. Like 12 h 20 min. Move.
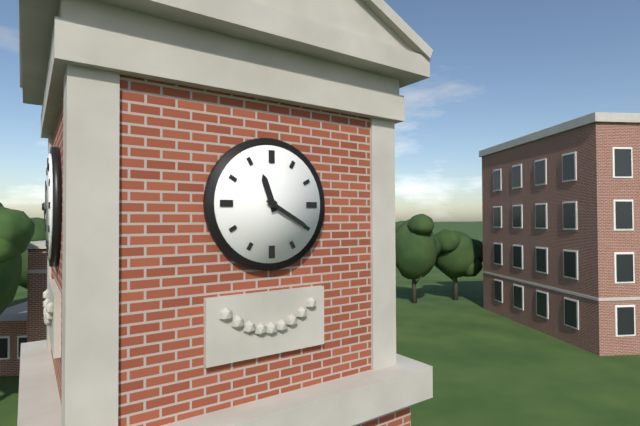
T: 11 h 20 min
